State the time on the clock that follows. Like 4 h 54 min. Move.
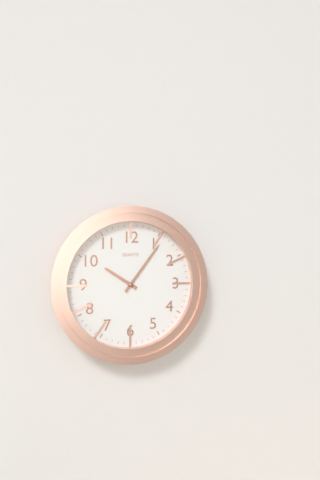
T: 10 h 06 min
